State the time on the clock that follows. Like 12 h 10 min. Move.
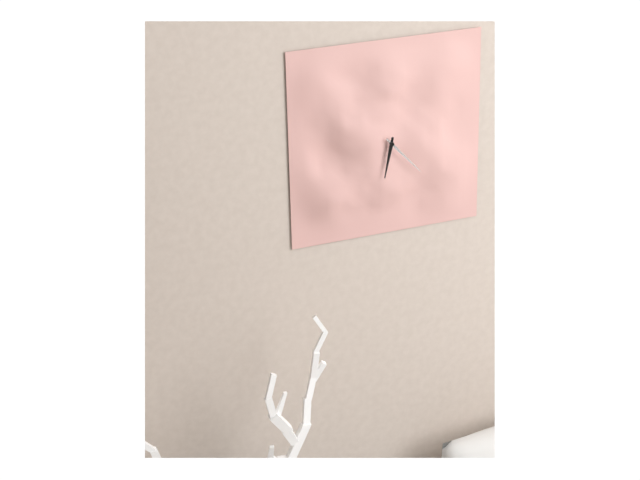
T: 6 h 23 min
